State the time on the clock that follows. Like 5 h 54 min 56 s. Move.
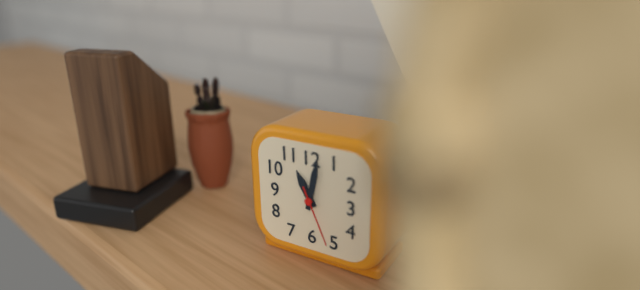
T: 11 h 02 min 26 s
